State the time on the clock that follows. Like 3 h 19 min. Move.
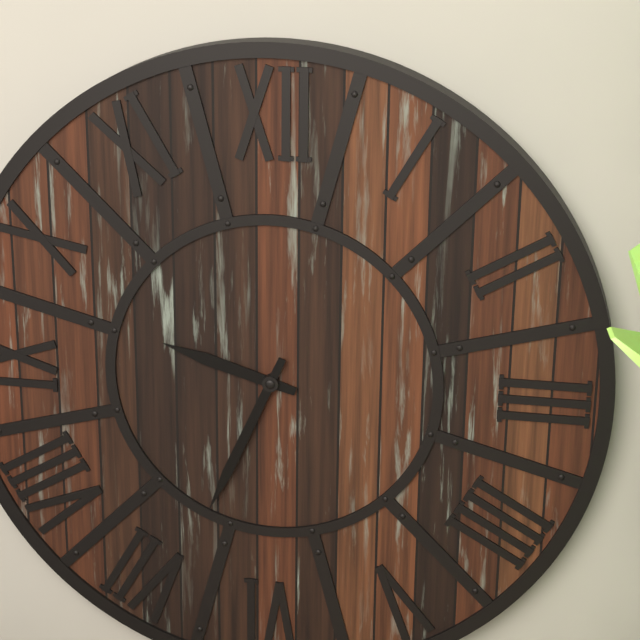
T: 9 h 34 min
